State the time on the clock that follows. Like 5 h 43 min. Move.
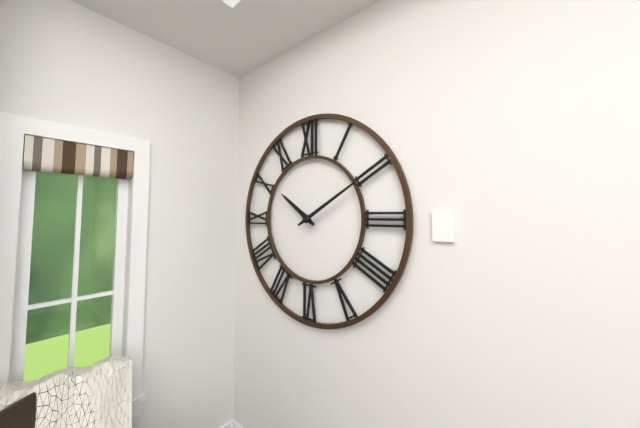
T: 10 h 10 min
